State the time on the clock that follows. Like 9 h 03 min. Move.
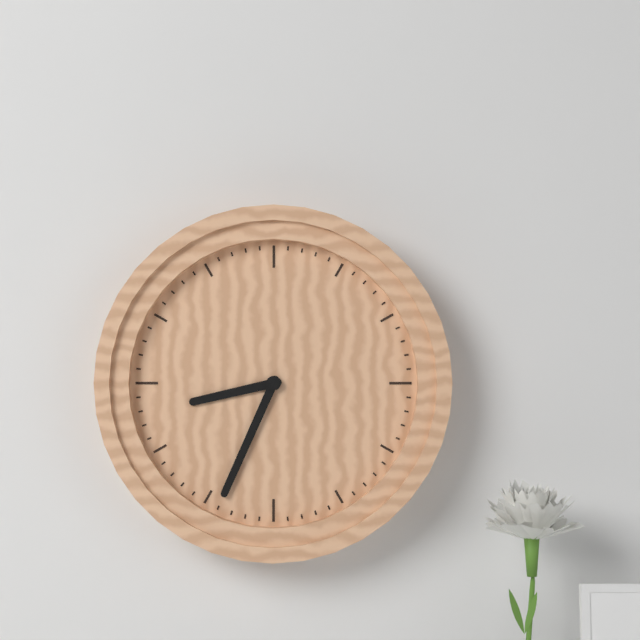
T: 8 h 34 min
